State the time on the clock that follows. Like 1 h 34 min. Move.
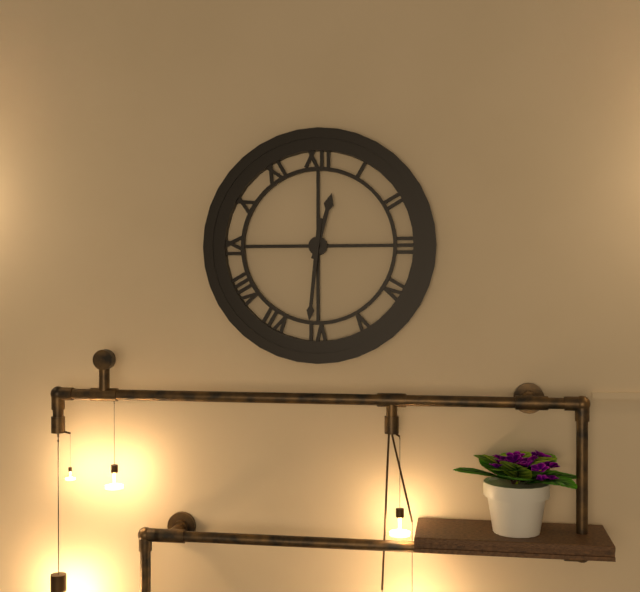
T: 12 h 31 min
